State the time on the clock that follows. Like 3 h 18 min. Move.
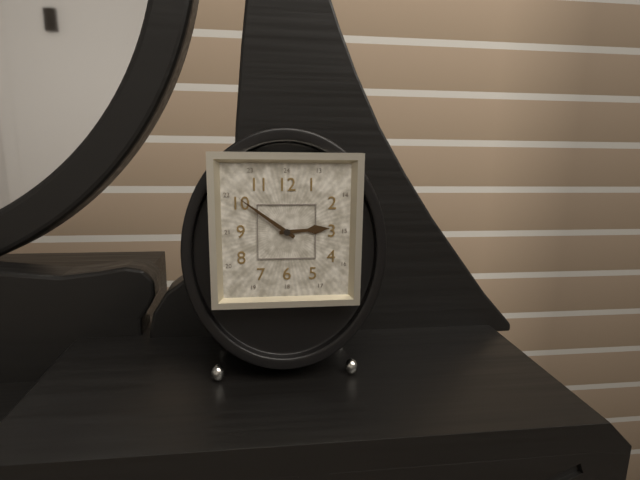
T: 2 h 51 min
